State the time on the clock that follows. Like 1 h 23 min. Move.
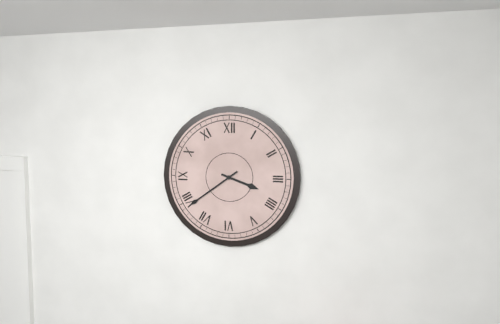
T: 3 h 39 min
